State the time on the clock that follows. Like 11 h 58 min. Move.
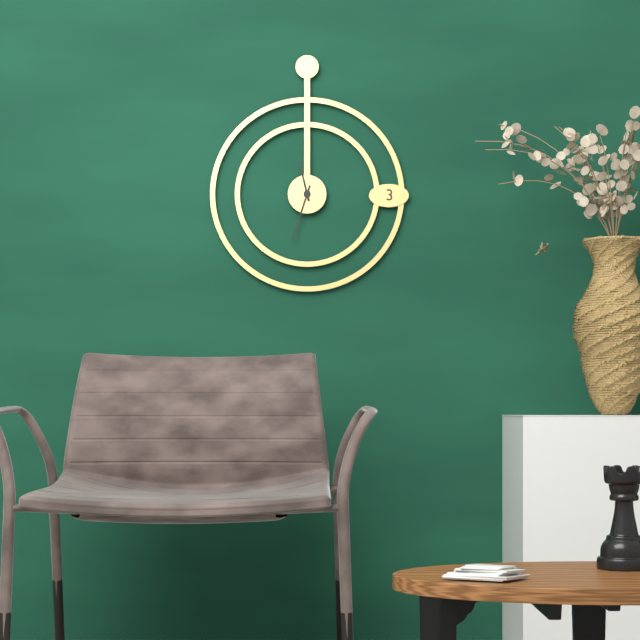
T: 11 h 33 min
